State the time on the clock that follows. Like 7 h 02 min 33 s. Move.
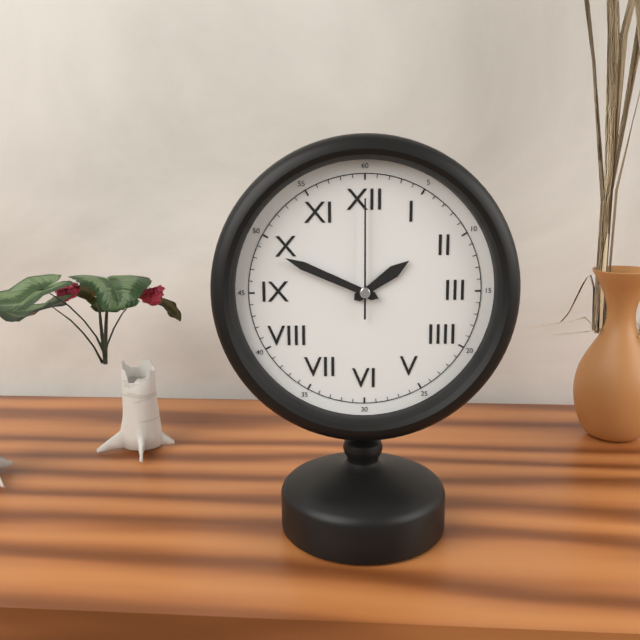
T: 1 h 49 min 00 s
